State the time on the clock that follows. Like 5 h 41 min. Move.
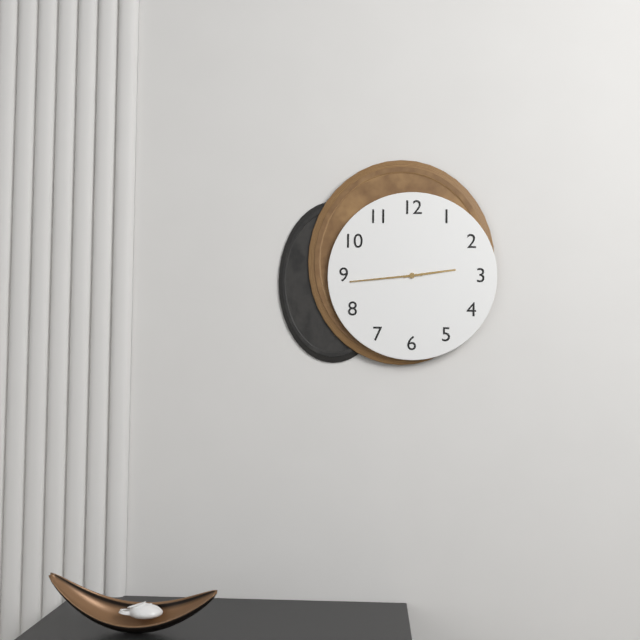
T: 2 h 44 min
